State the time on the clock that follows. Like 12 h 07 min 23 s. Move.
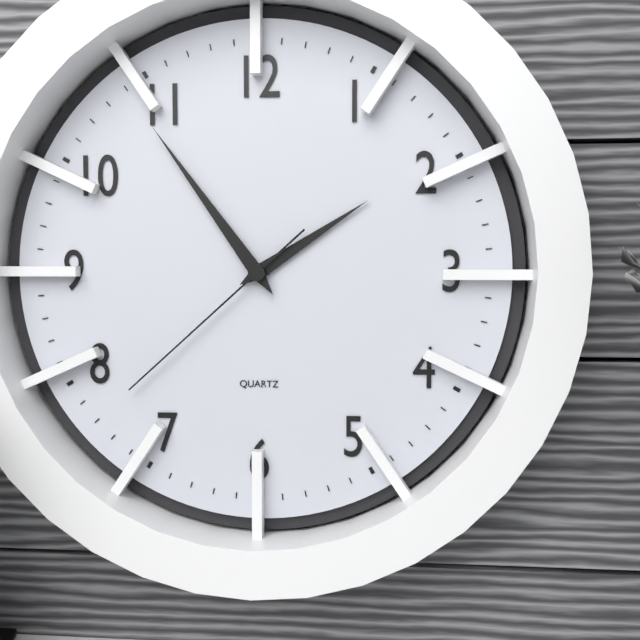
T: 1 h 54 min 38 s
